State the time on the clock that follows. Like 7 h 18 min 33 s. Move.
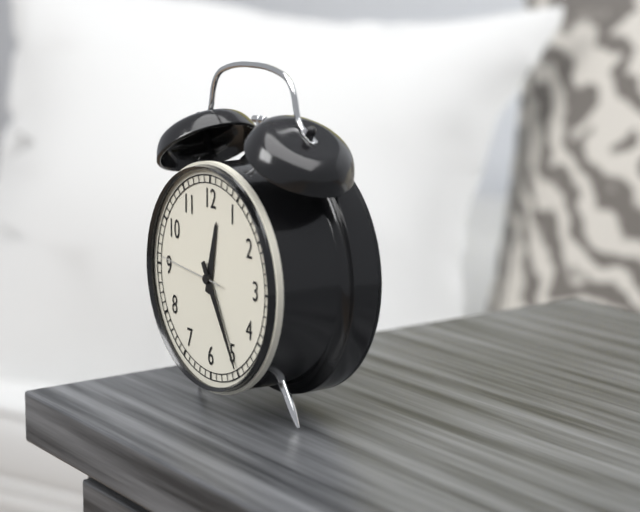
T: 12 h 25 min 46 s
